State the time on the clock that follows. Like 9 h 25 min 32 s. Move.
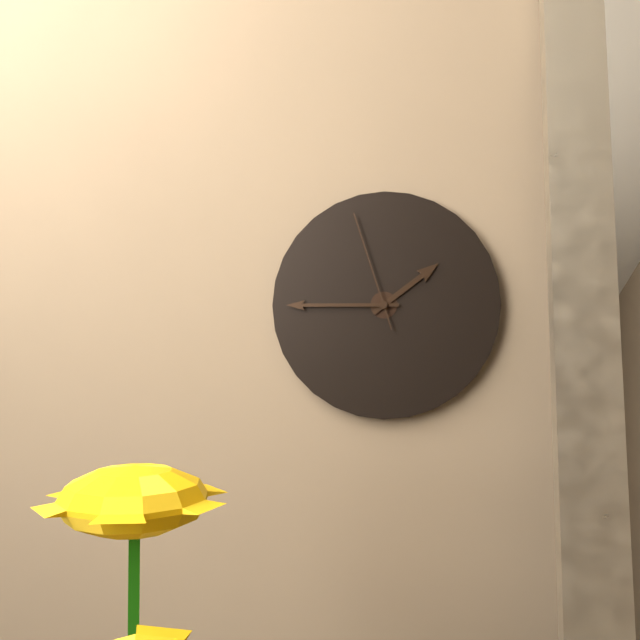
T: 1 h 45 min 57 s
